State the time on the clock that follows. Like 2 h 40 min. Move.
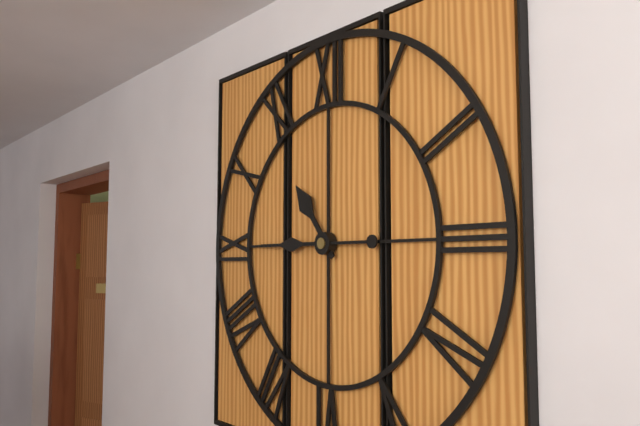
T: 10 h 45 min
